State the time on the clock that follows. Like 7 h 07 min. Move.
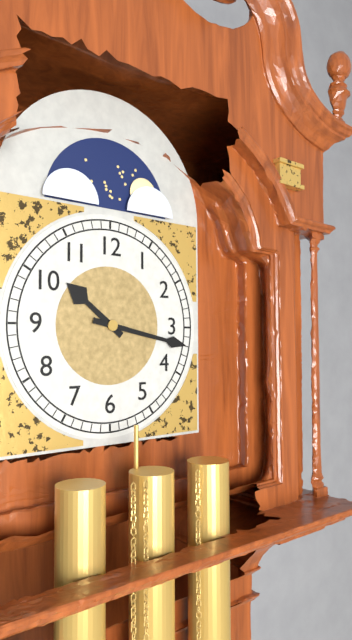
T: 10 h 17 min
